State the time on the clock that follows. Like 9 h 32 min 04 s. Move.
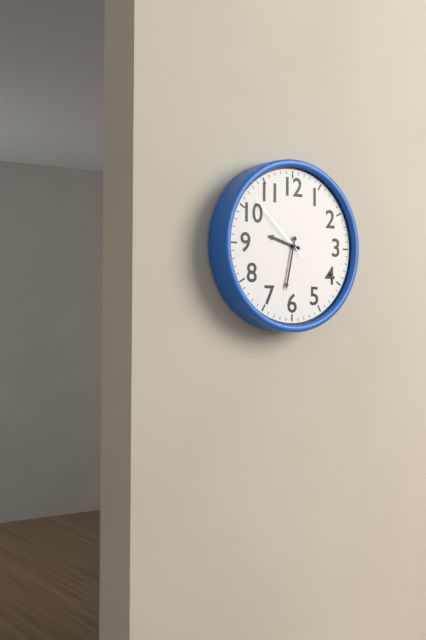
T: 9 h 32 min 52 s
